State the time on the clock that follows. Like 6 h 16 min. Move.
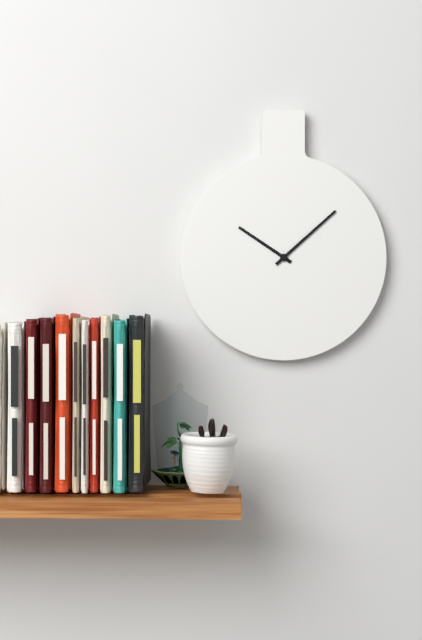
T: 10 h 08 min
